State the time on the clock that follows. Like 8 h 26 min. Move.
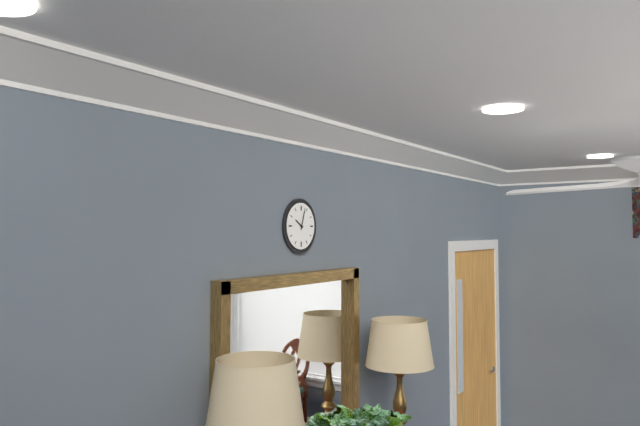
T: 10 h 03 min
